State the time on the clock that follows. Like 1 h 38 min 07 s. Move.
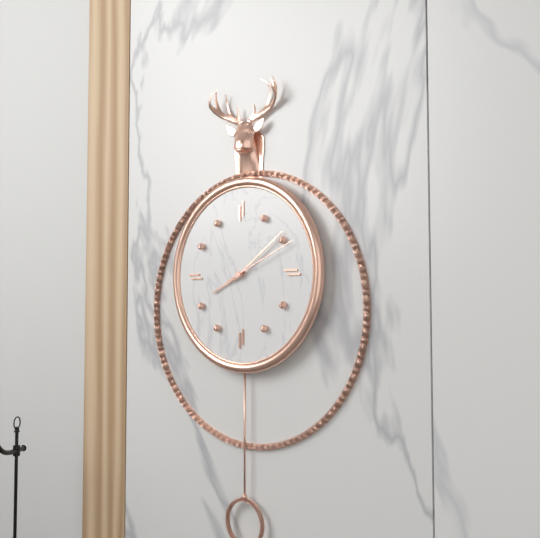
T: 8 h 09 min 11 s
